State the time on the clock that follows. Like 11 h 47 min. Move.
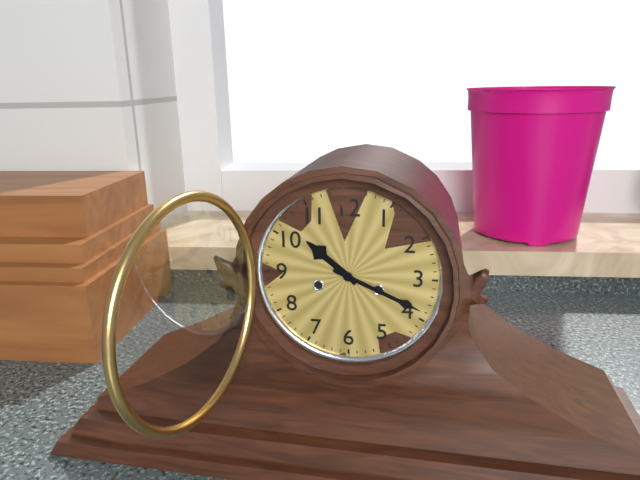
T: 10 h 19 min
